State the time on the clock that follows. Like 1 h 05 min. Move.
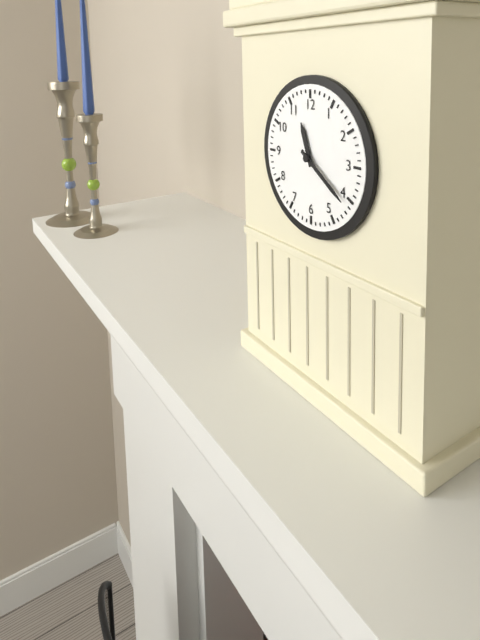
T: 11 h 21 min
